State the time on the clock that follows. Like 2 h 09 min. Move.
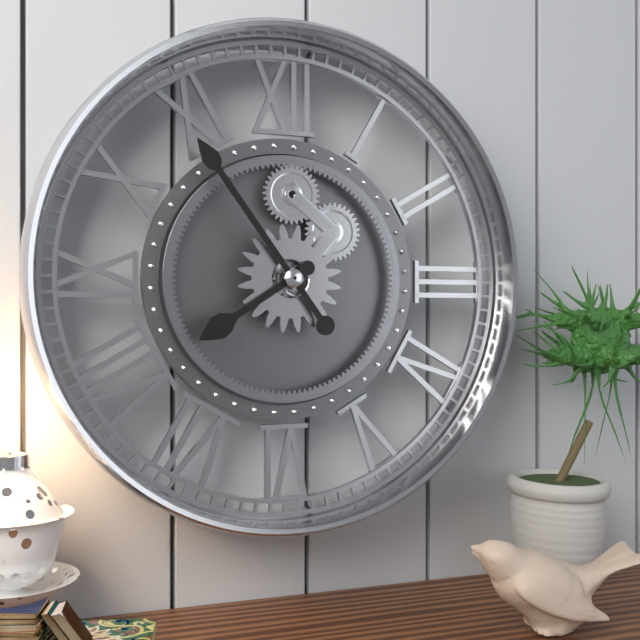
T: 7 h 54 min
